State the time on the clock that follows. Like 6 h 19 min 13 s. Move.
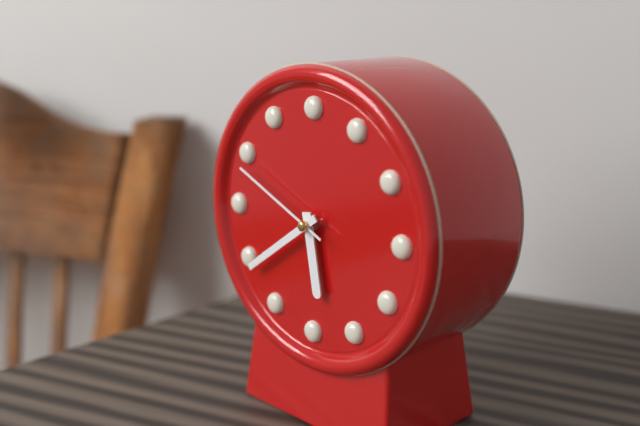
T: 5 h 39 min 49 s
